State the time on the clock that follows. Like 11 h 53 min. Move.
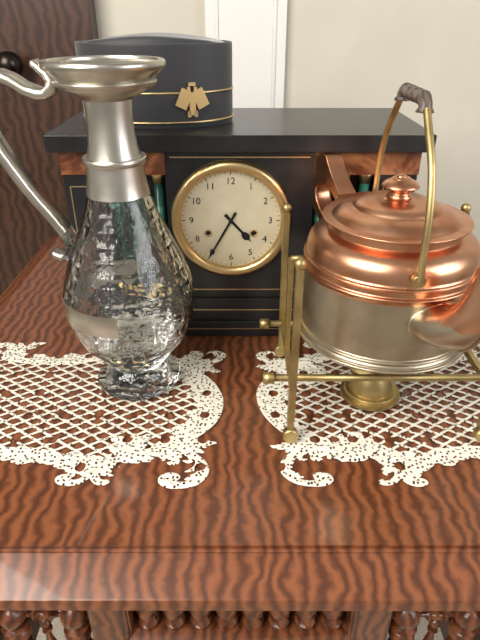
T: 4 h 35 min
